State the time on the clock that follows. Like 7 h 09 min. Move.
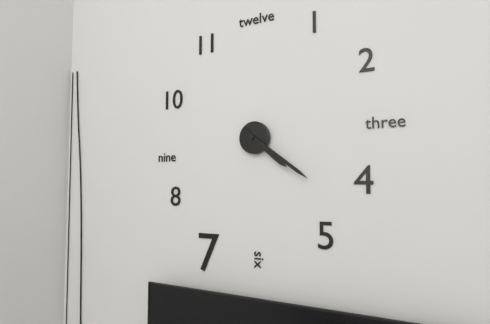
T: 4 h 21 min
